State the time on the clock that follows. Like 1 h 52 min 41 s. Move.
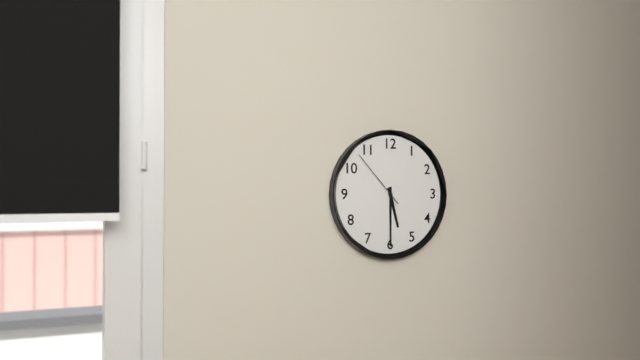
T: 5 h 30 min 53 s
